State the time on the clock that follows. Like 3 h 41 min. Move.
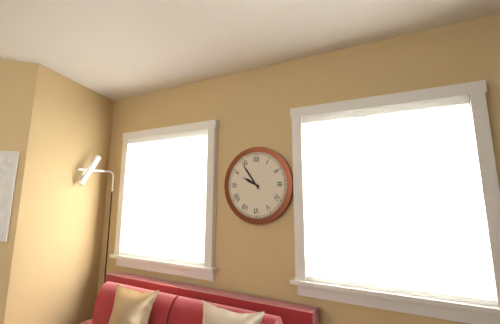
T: 9 h 54 min
